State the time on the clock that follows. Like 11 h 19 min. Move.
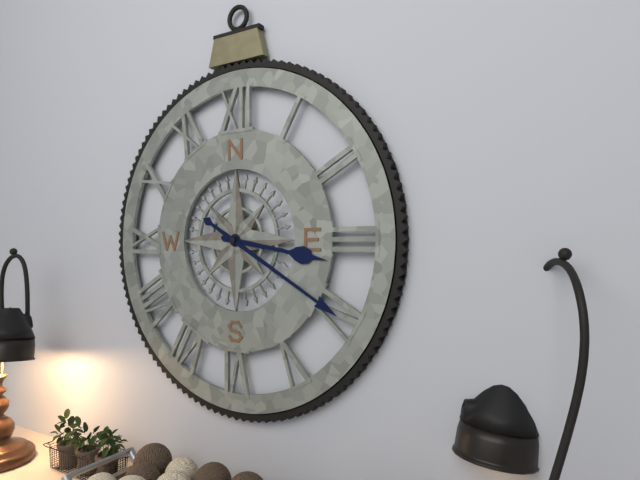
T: 3 h 20 min
